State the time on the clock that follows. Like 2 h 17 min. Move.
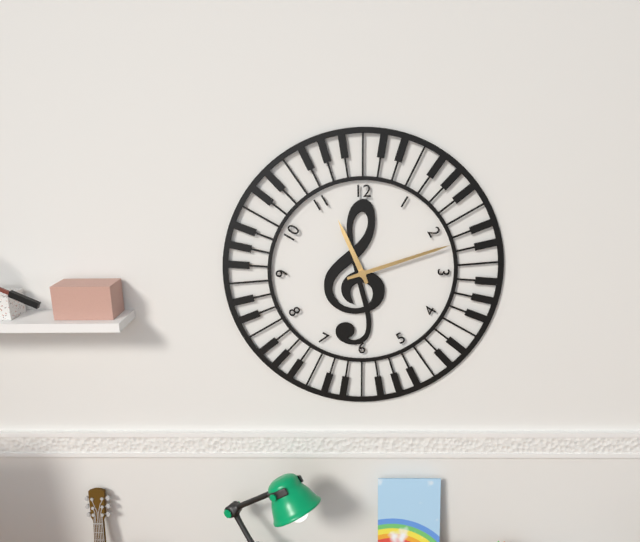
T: 11 h 12 min
